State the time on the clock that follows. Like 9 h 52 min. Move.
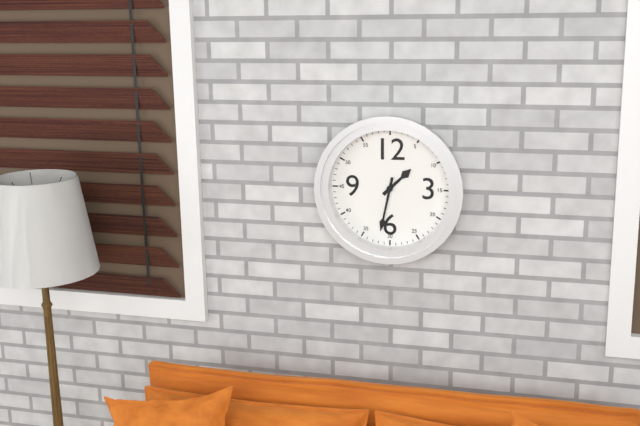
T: 1 h 32 min
